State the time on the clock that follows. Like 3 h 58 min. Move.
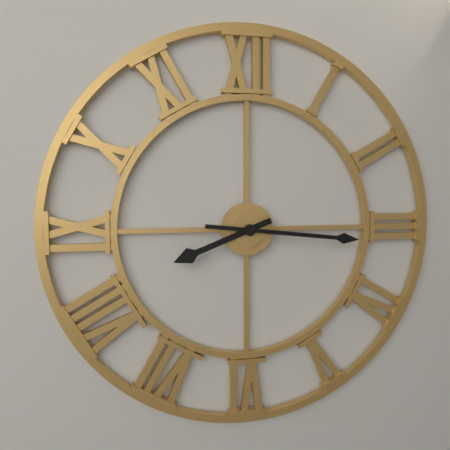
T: 8 h 16 min
